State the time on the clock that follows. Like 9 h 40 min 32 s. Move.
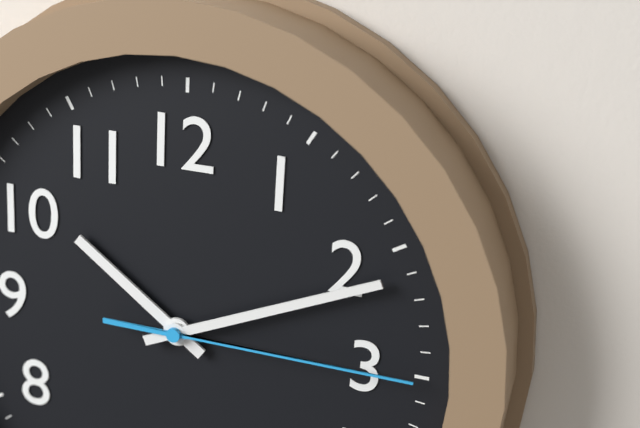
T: 10 h 11 min 15 s
